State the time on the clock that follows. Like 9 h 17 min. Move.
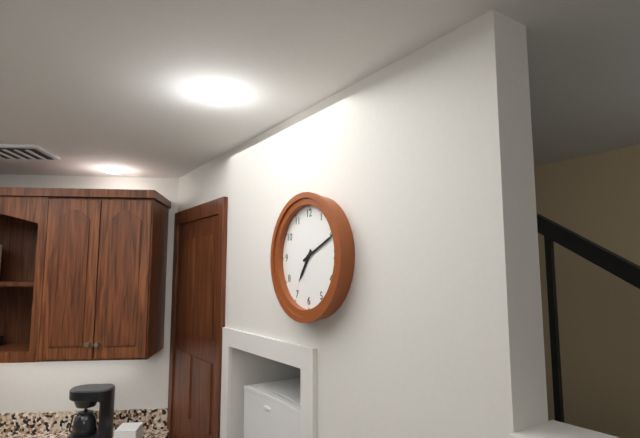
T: 7 h 11 min
